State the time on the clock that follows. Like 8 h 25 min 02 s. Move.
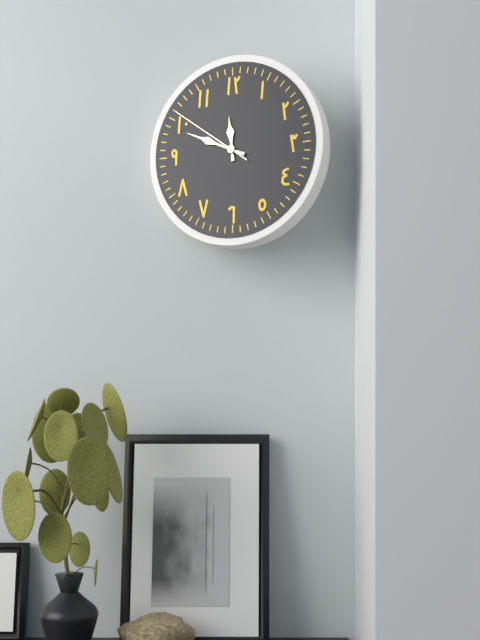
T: 11 h 49 min 51 s
